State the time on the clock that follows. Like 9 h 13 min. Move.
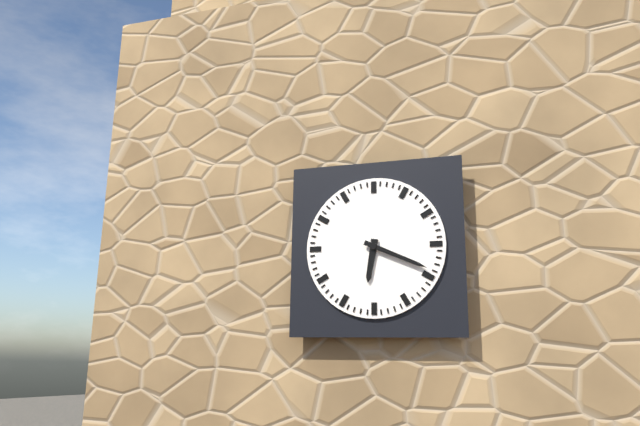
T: 6 h 19 min
